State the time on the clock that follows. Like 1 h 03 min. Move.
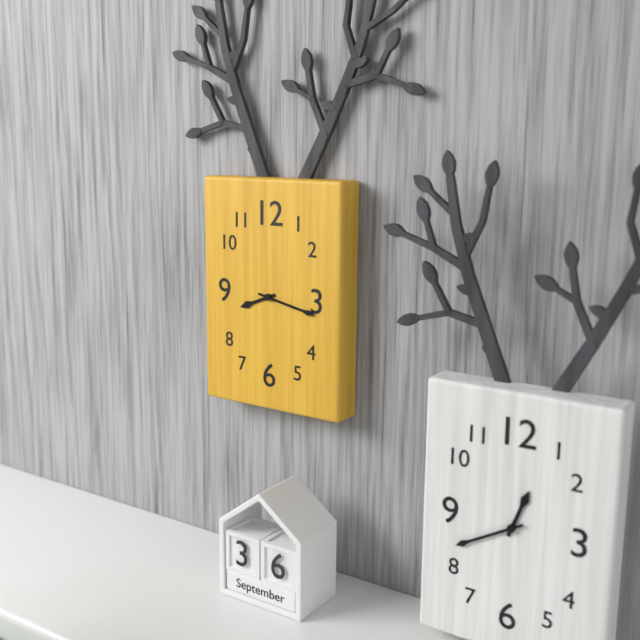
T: 8 h 17 min
